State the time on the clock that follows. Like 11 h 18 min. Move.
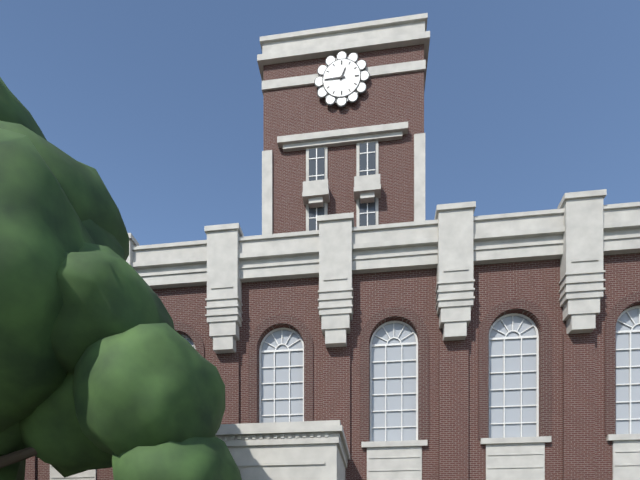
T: 12 h 45 min
